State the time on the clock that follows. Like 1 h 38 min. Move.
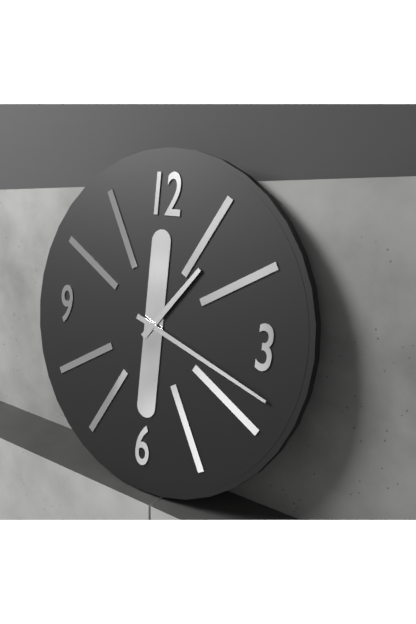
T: 1 h 18 min
